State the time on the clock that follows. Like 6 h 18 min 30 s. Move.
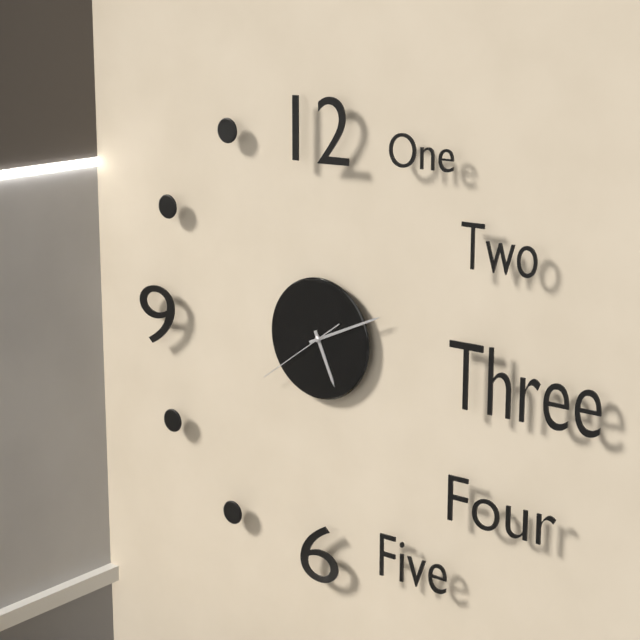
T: 5 h 11 min 39 s
